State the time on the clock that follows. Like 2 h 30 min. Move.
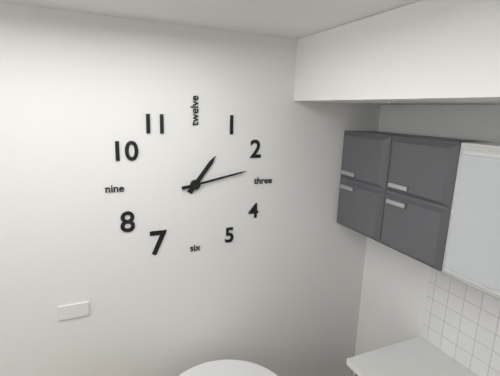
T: 1 h 13 min
